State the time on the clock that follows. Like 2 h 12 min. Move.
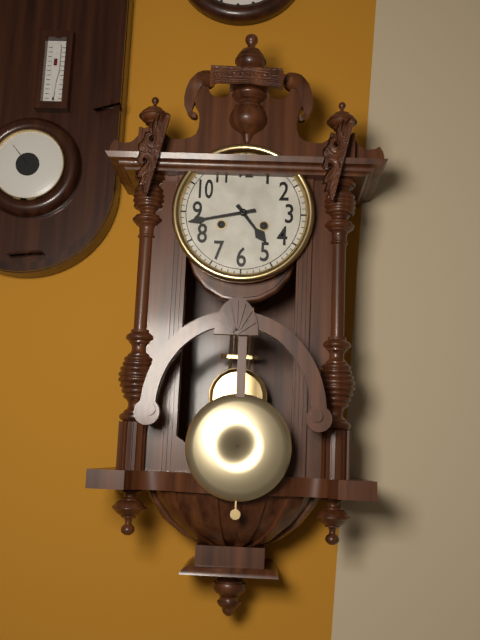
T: 4 h 43 min
